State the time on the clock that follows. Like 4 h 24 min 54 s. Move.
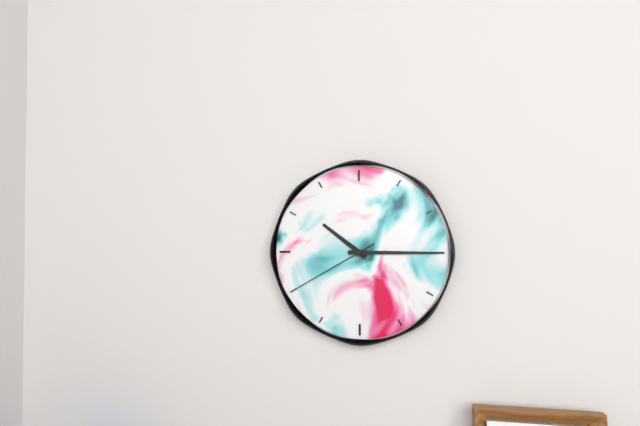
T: 10 h 15 min 40 s
